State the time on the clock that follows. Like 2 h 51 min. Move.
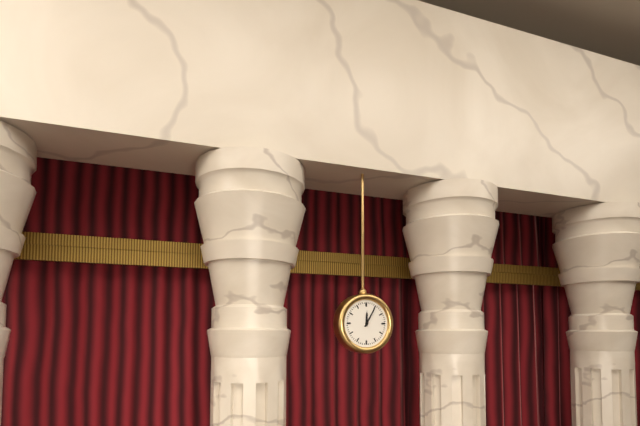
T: 12 h 05 min
